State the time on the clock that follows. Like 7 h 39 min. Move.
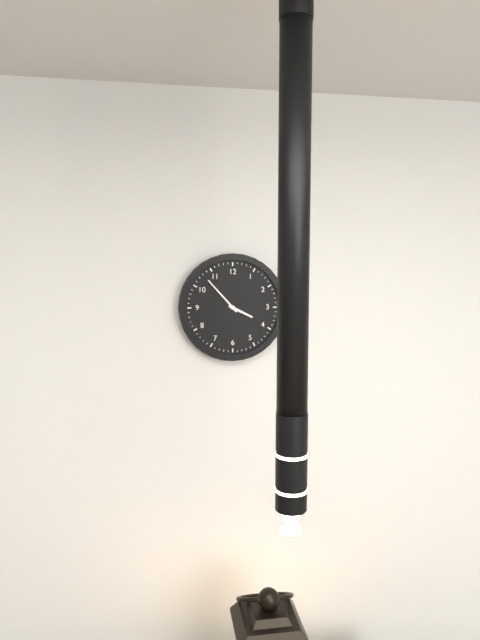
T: 3 h 53 min
